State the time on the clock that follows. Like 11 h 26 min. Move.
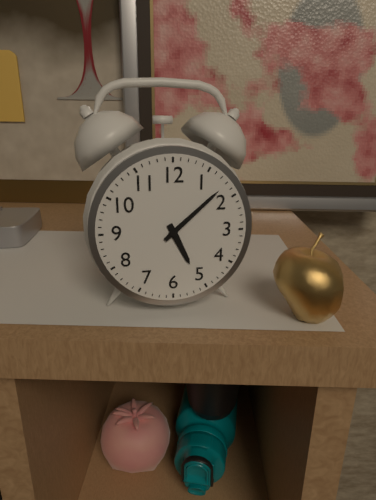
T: 5 h 08 min
